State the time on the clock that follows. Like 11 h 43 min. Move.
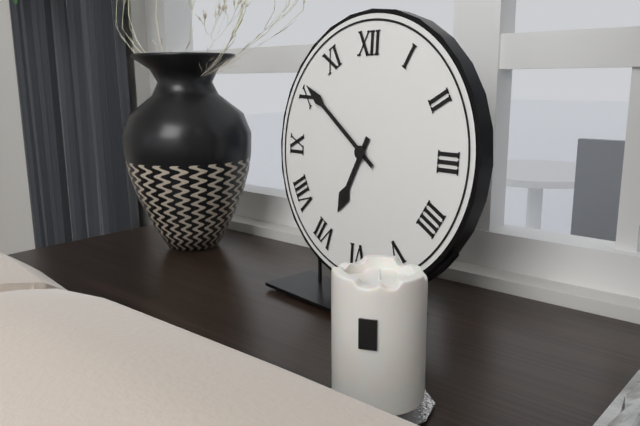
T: 6 h 51 min
